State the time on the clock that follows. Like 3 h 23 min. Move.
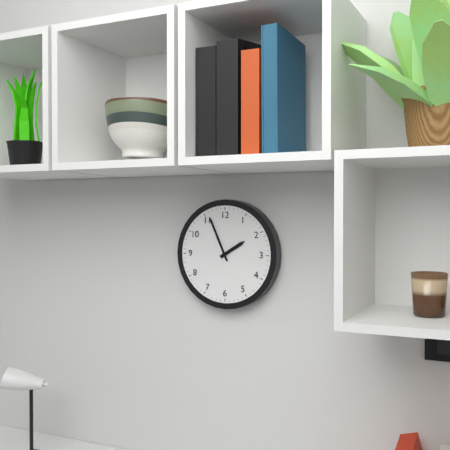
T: 1 h 56 min
